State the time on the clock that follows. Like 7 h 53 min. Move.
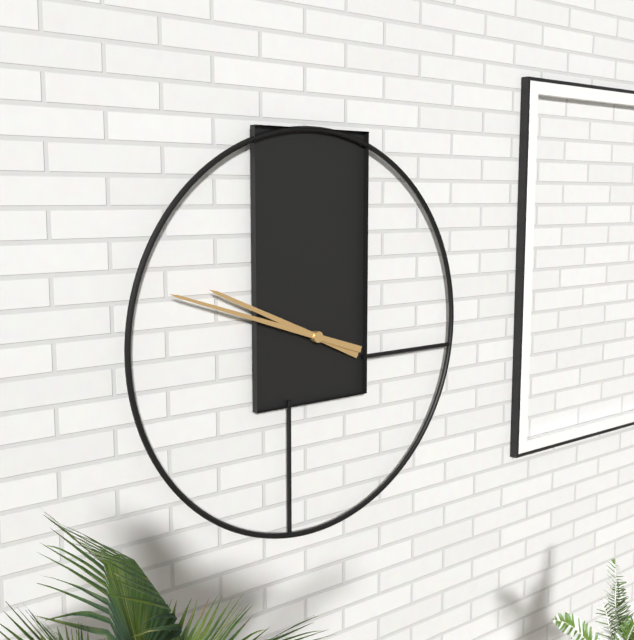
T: 9 h 48 min
